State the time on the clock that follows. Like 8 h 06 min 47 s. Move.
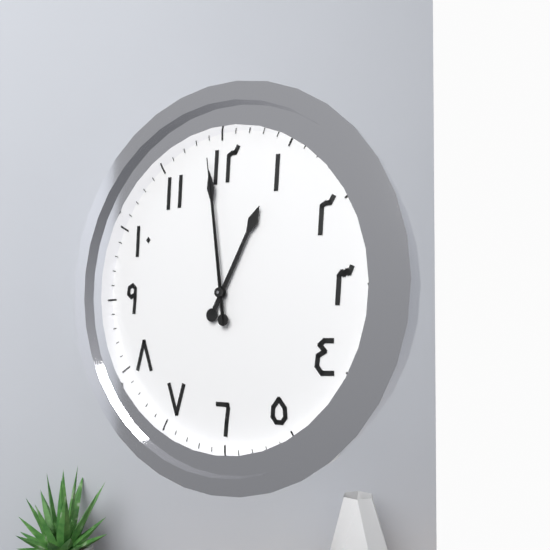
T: 12 h 59 min 59 s
